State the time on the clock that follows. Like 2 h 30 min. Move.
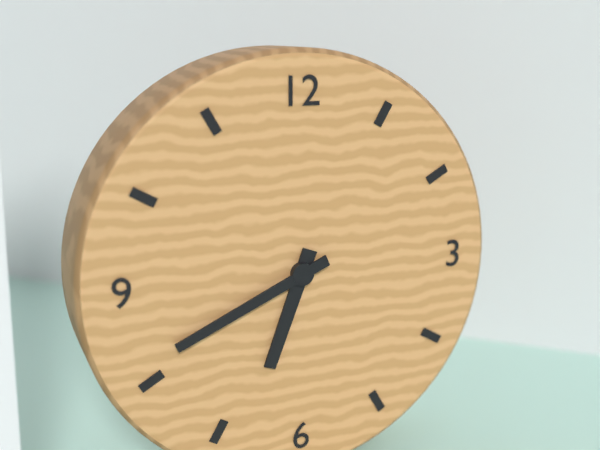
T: 6 h 41 min
